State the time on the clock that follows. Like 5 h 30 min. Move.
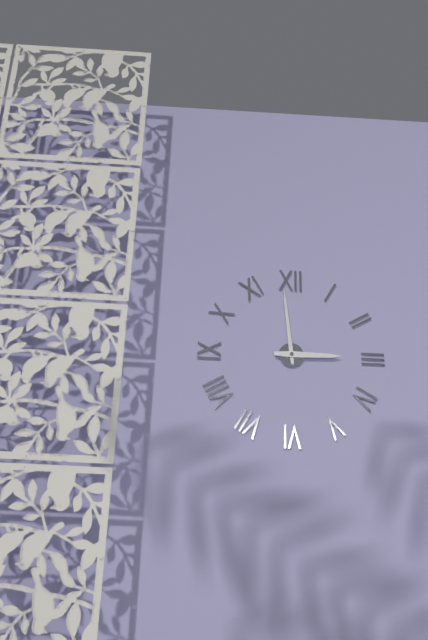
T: 2 h 59 min
